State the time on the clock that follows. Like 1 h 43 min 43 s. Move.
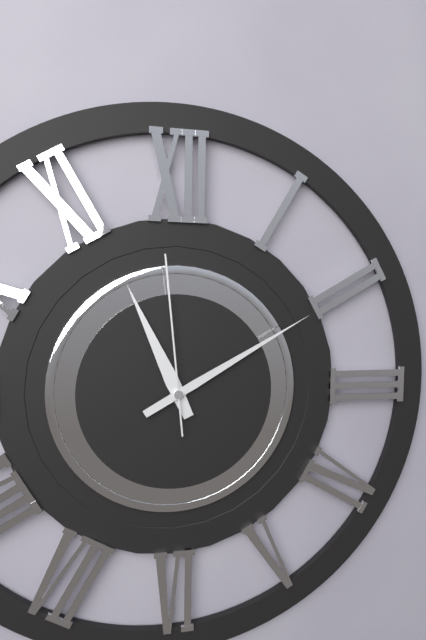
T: 11 h 10 min 59 s
